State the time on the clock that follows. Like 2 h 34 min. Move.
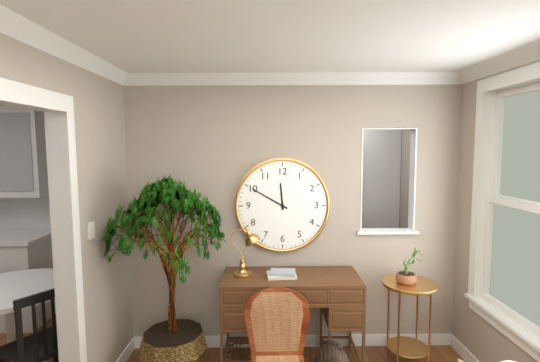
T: 11 h 50 min
